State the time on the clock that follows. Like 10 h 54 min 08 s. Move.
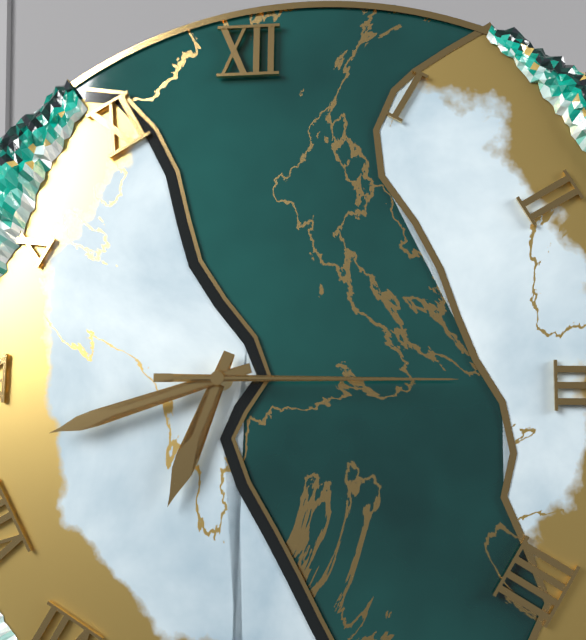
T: 6 h 42 min 15 s
